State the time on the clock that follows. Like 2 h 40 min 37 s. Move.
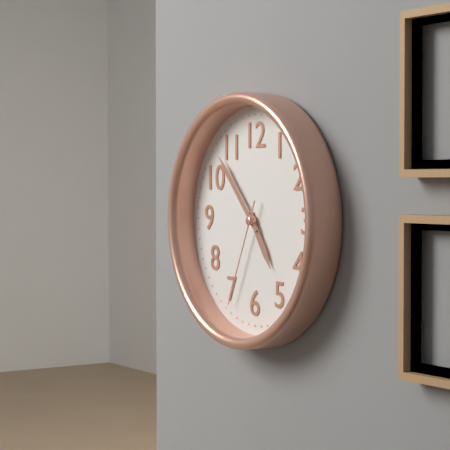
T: 4 h 53 min 34 s
